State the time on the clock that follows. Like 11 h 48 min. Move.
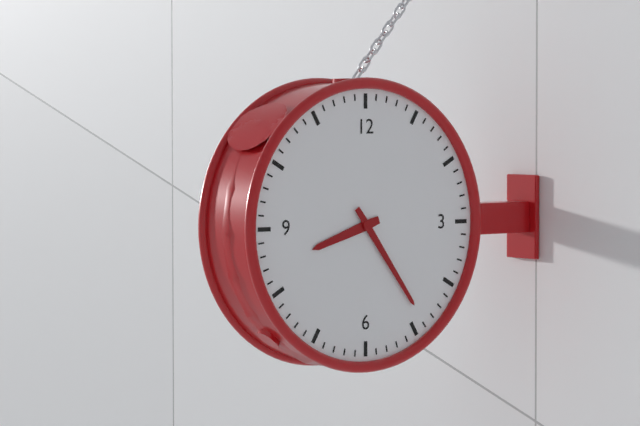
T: 8 h 24 min
